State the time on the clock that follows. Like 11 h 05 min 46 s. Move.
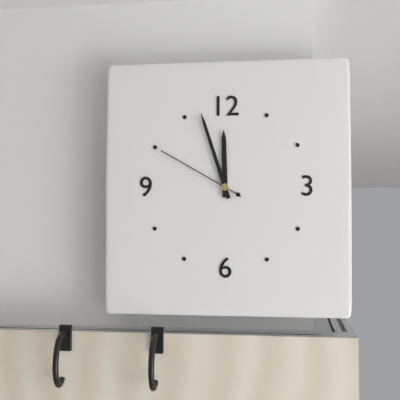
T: 11 h 57 min 50 s
